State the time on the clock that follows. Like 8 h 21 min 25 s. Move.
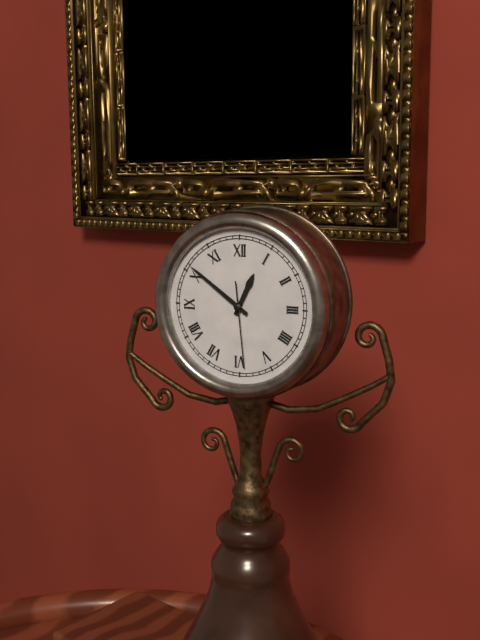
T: 12 h 51 min 29 s
